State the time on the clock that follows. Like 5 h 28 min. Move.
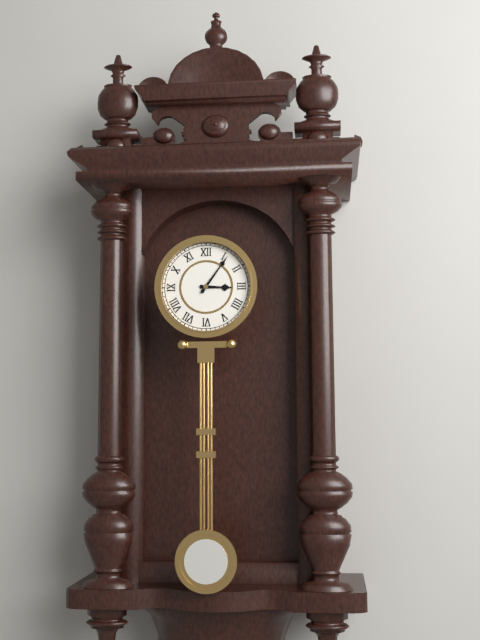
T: 3 h 06 min
